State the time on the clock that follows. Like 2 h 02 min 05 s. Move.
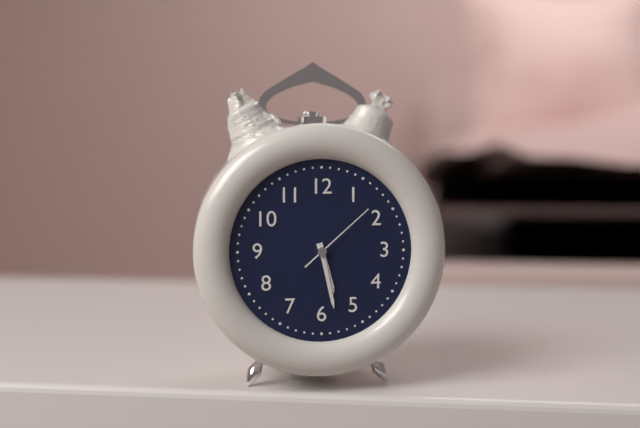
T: 5 h 28 min 08 s
